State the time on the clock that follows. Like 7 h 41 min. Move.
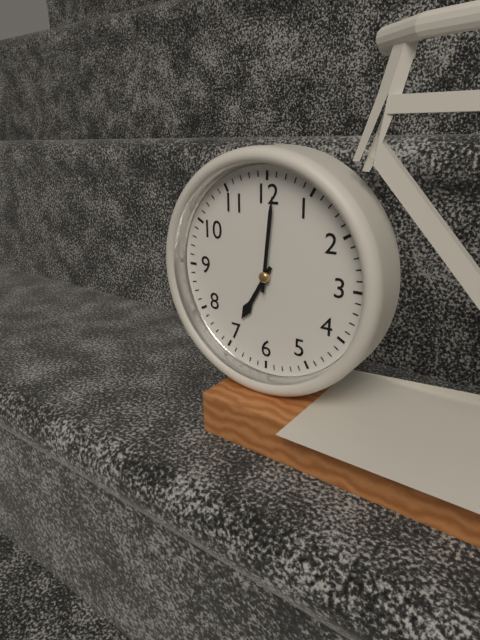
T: 7 h 01 min
